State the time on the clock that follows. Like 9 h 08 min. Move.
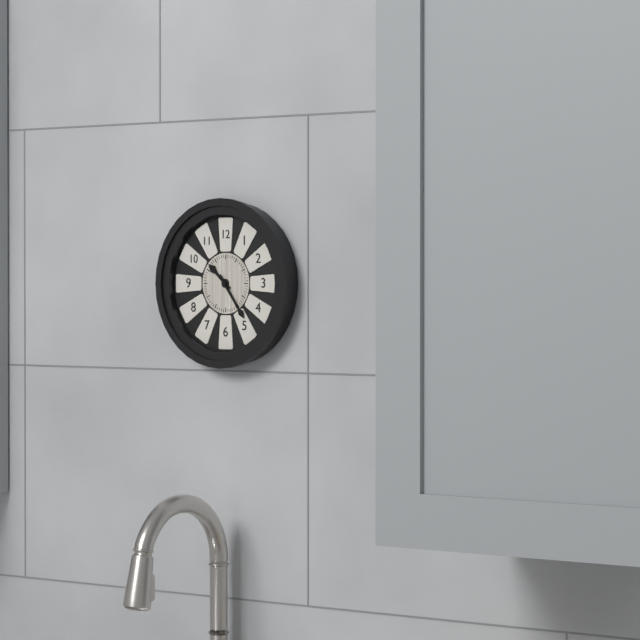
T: 10 h 24 min
